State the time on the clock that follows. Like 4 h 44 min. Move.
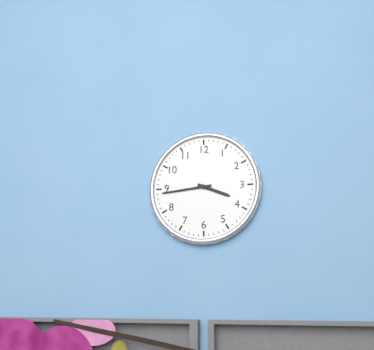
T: 3 h 44 min
